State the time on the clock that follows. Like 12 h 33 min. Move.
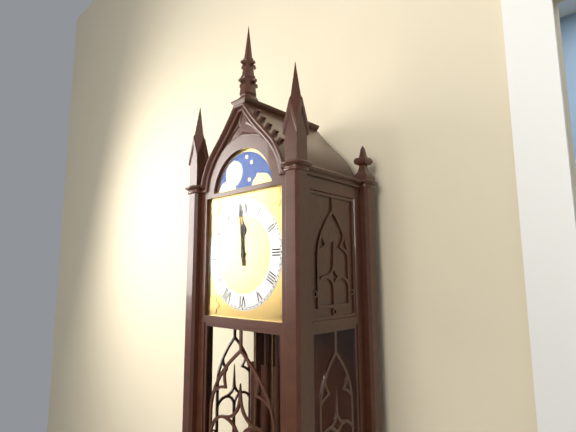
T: 11 h 59 min
